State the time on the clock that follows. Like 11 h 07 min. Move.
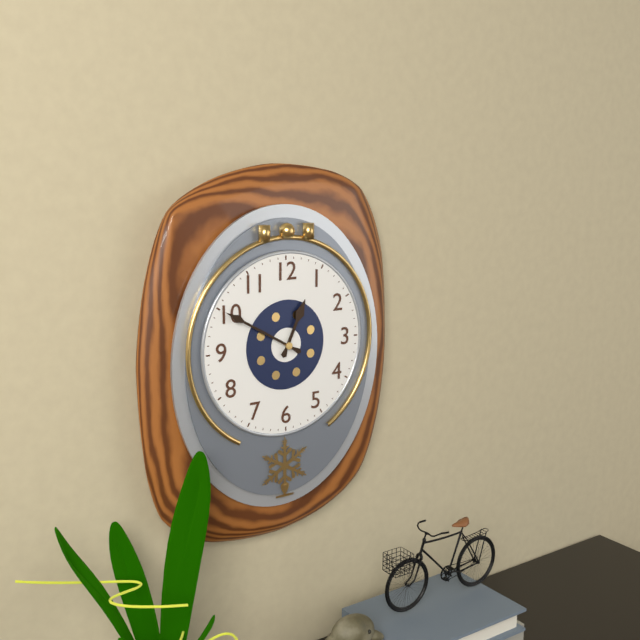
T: 12 h 50 min
